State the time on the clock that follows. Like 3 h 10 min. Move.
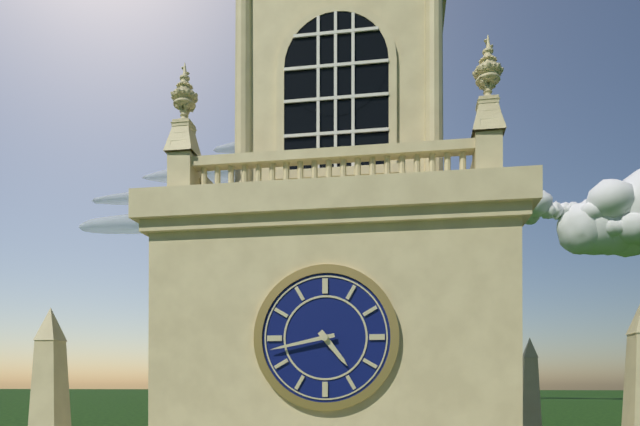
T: 4 h 43 min
